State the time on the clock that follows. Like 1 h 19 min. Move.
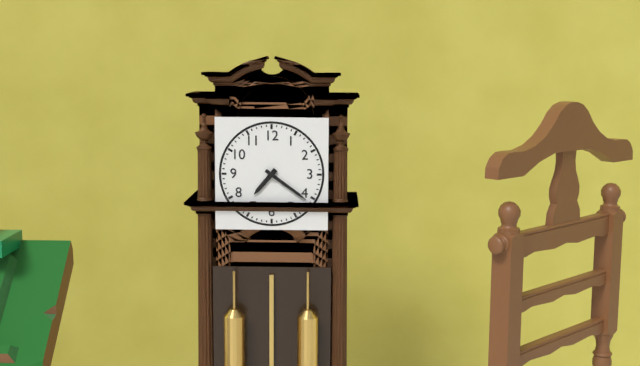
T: 7 h 21 min
